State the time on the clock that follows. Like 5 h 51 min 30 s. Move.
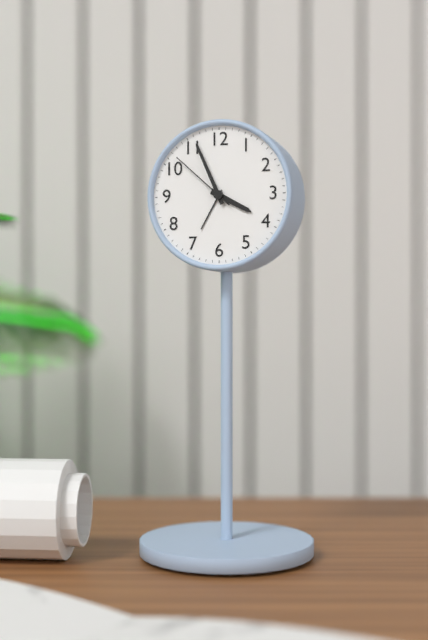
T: 3 h 56 min 52 s
